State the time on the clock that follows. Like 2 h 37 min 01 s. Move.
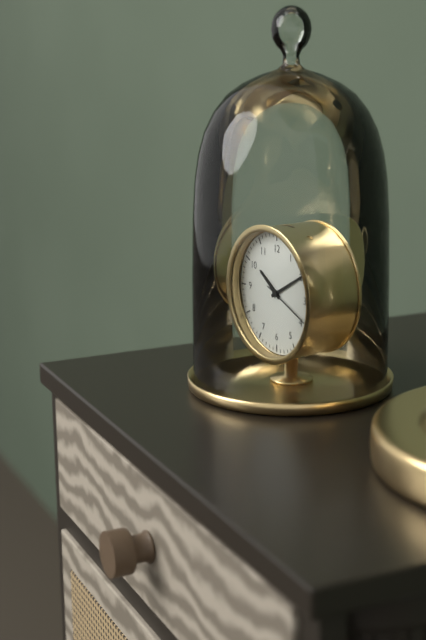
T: 10 h 10 min 19 s
